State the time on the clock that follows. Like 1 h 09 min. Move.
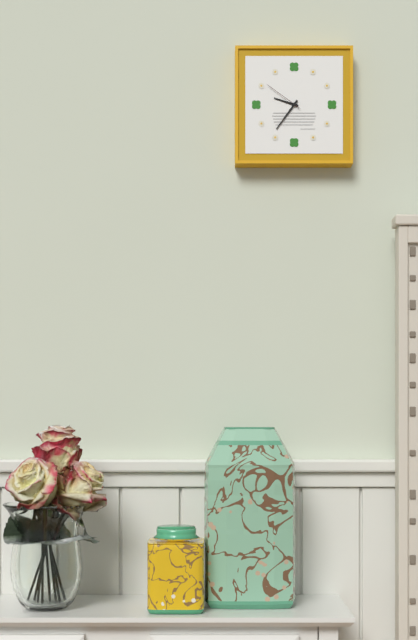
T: 9 h 36 min
